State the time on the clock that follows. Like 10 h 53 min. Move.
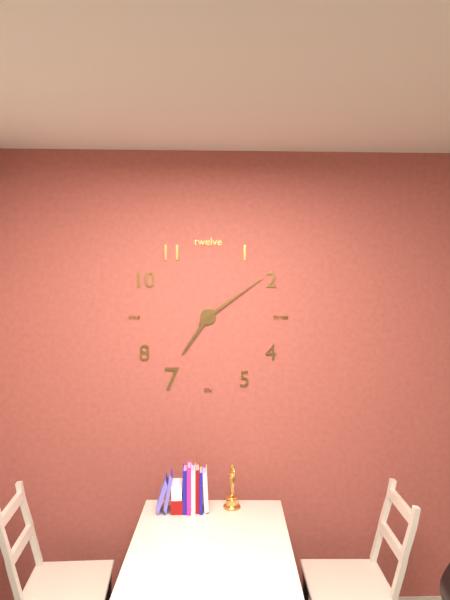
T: 7 h 09 min
